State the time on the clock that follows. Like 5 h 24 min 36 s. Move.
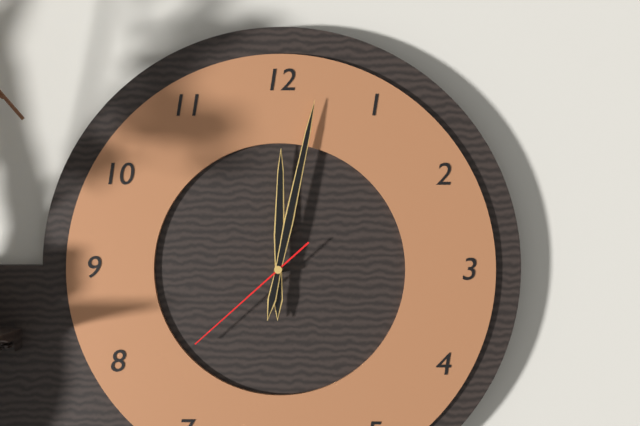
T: 12 h 02 min 38 s
